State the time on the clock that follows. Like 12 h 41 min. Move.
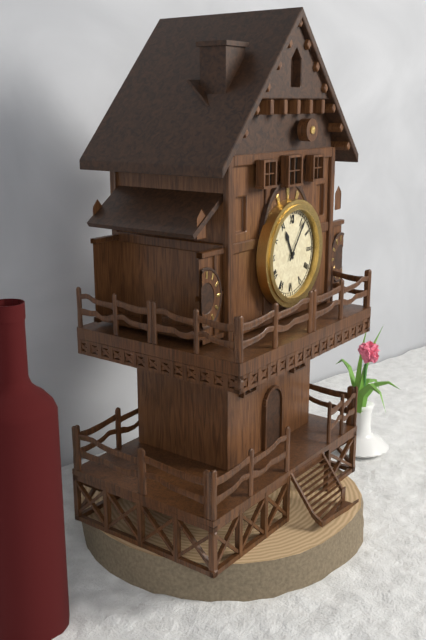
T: 11 h 06 min
